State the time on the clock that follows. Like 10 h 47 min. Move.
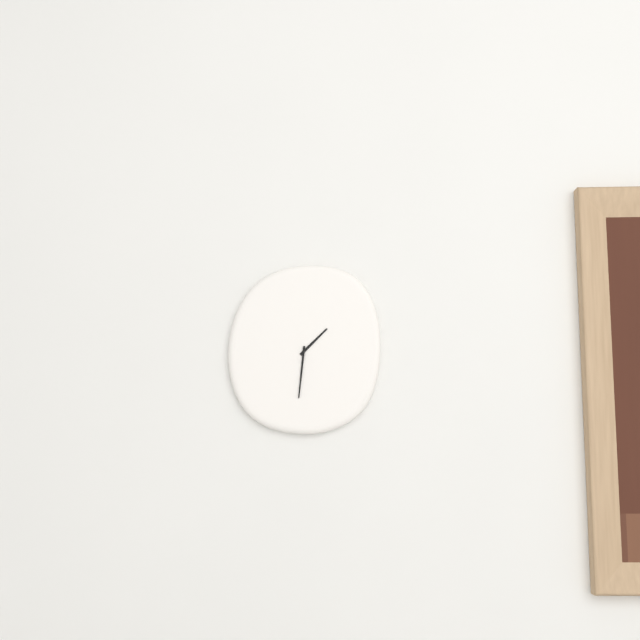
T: 1 h 31 min
